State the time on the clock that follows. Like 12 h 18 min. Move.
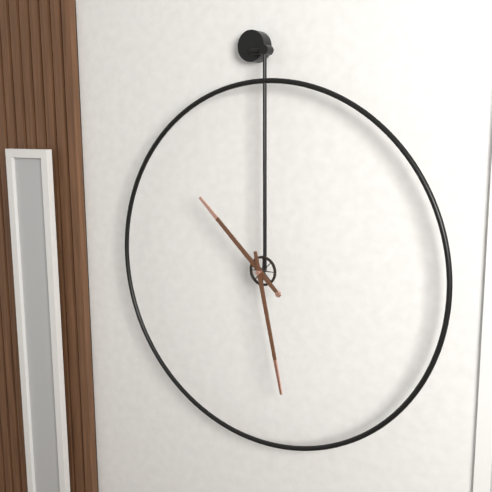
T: 10 h 28 min
